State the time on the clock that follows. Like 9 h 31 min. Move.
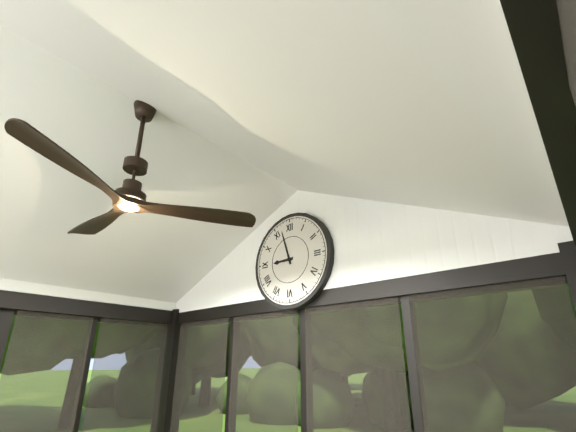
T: 8 h 57 min
